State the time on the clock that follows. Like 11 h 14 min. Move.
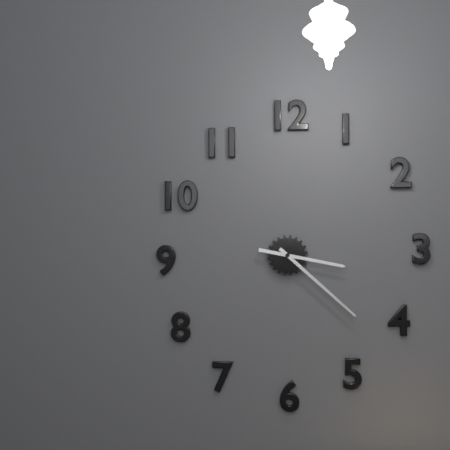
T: 3 h 22 min
